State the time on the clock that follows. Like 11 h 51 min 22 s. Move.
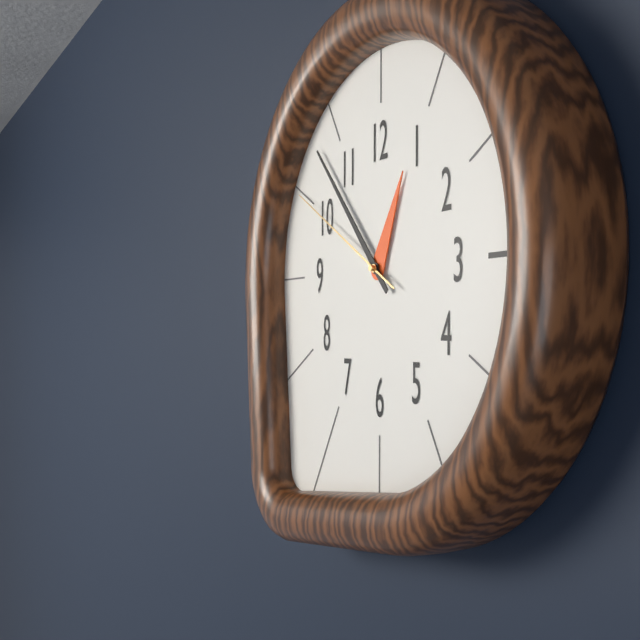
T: 12 h 53 min 50 s
